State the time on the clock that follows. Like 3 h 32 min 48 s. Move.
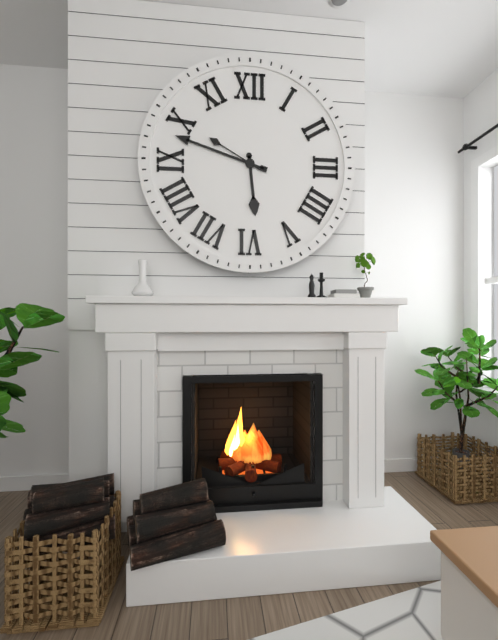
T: 5 h 48 min 50 s
